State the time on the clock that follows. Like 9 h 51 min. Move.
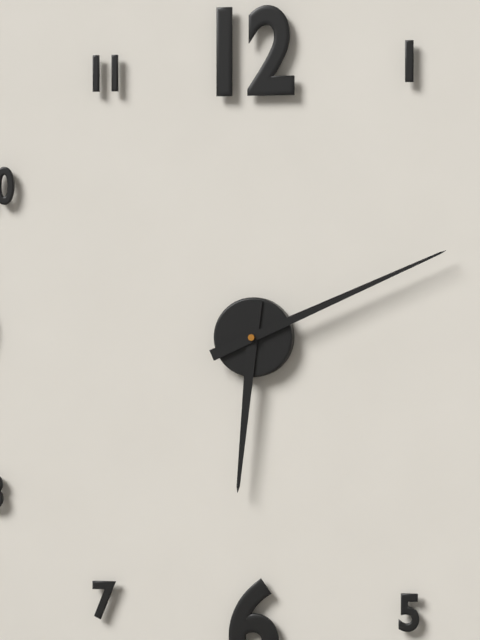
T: 6 h 11 min
